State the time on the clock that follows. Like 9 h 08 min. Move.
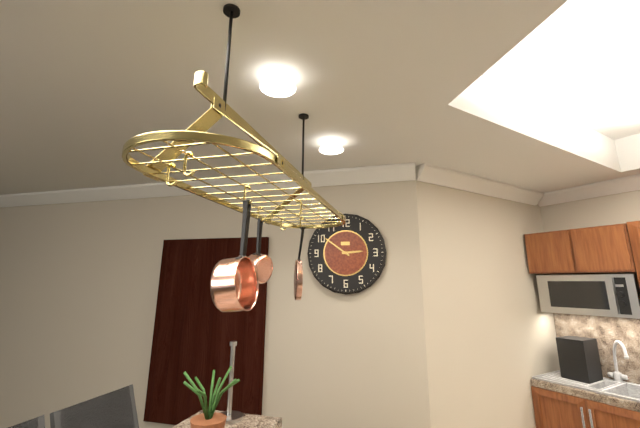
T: 2 h 51 min
